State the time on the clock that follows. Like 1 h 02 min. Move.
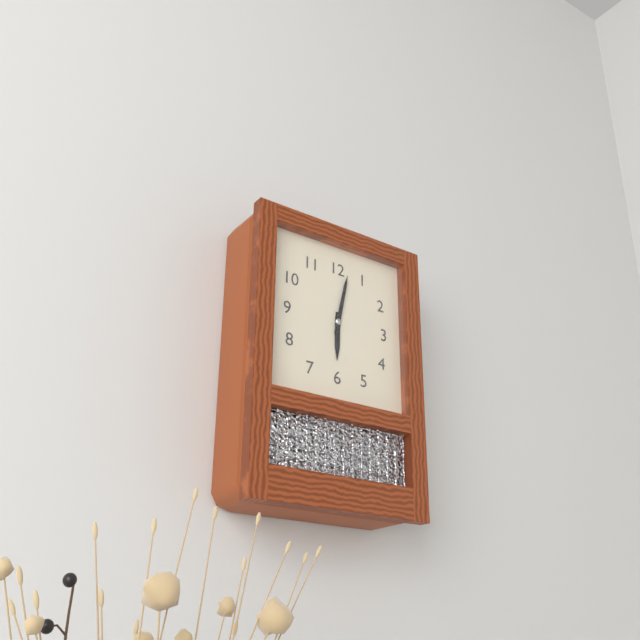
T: 6 h 02 min
